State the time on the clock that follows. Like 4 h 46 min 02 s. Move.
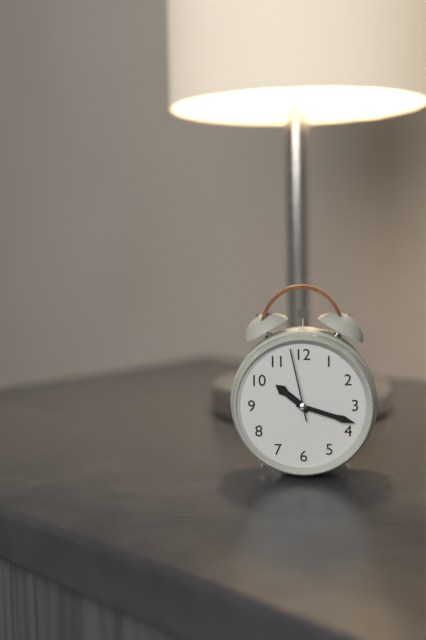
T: 10 h 18 min 58 s
